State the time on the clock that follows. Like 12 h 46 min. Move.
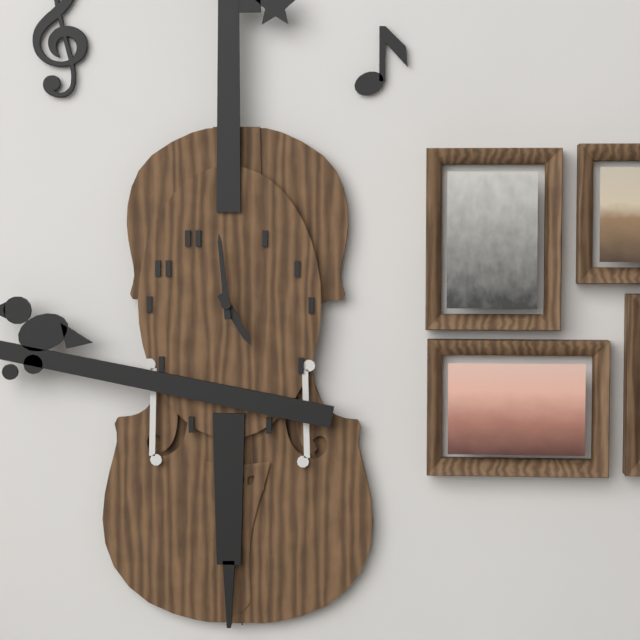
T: 4 h 59 min
